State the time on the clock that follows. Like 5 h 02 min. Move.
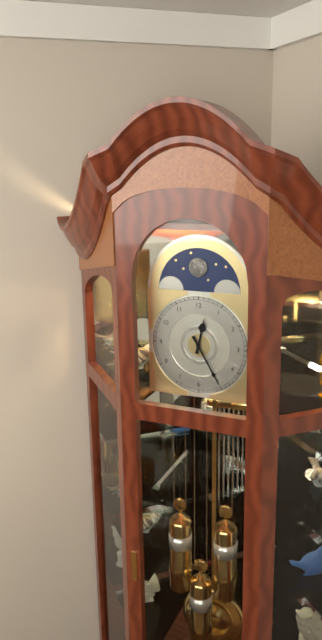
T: 12 h 25 min
